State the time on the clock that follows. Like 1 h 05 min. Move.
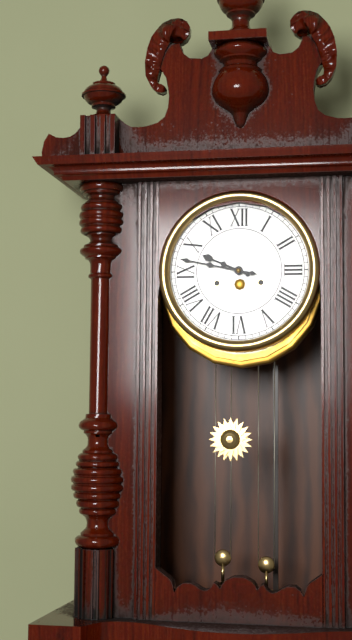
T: 9 h 47 min
